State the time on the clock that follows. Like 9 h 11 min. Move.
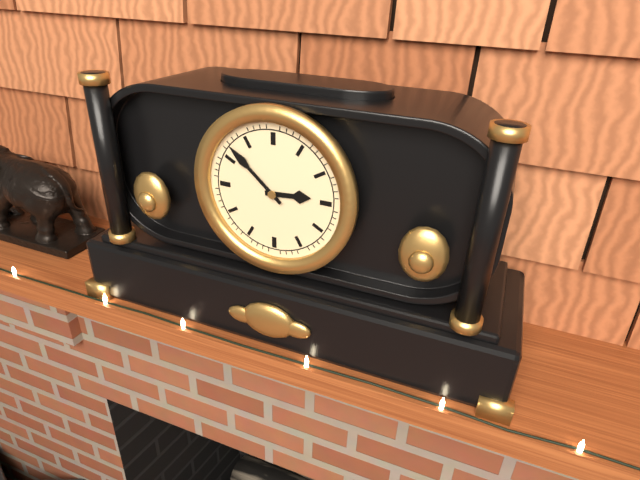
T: 2 h 52 min
